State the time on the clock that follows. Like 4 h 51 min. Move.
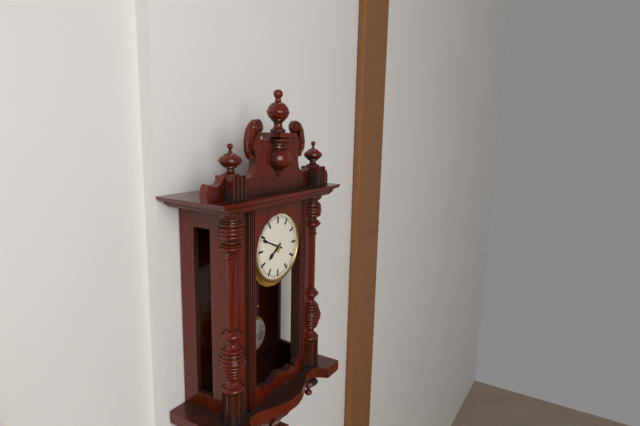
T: 7 h 49 min
